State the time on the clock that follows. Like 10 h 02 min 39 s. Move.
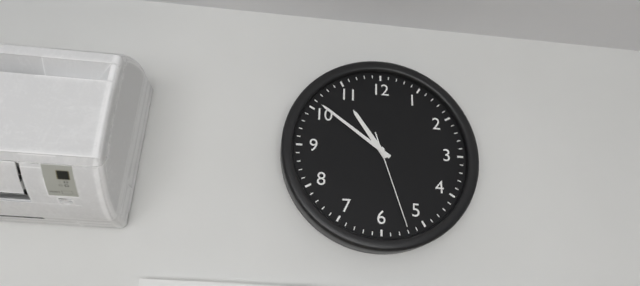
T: 10 h 51 min 27 s
